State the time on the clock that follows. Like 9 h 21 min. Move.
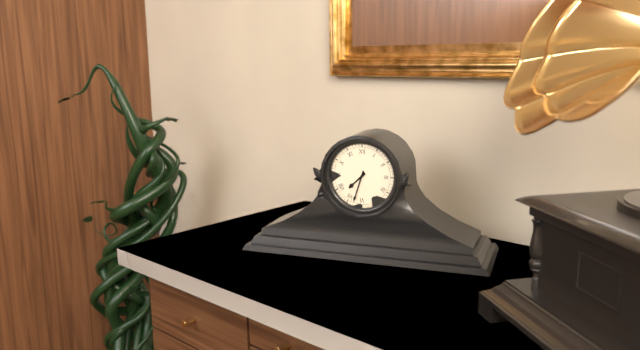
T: 7 h 33 min
